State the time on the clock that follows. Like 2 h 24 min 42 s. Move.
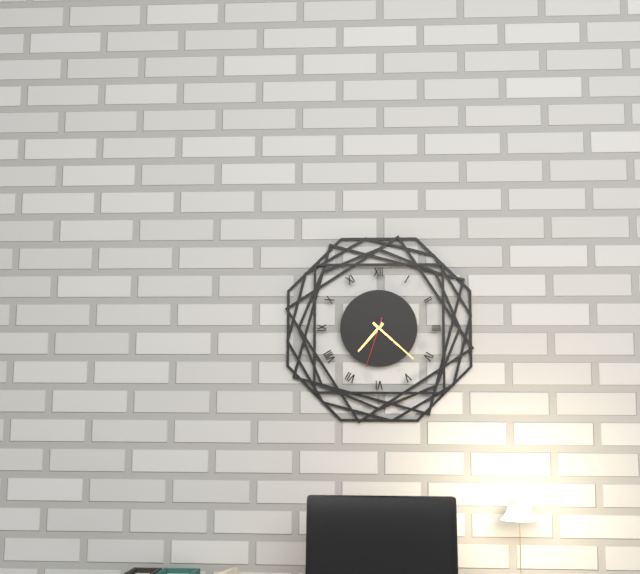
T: 7 h 22 min 33 s
